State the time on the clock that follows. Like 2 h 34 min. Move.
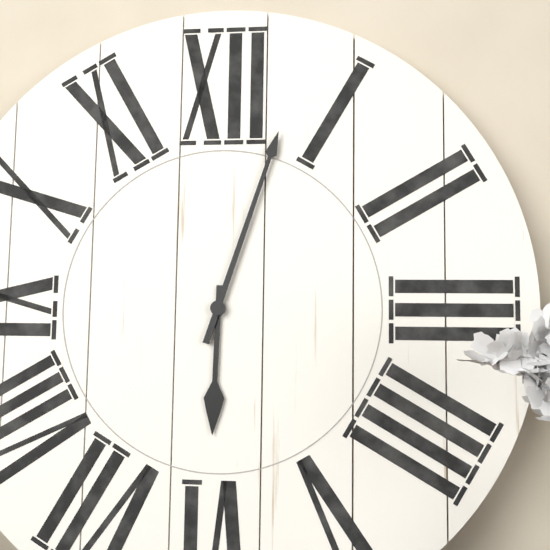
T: 6 h 03 min
